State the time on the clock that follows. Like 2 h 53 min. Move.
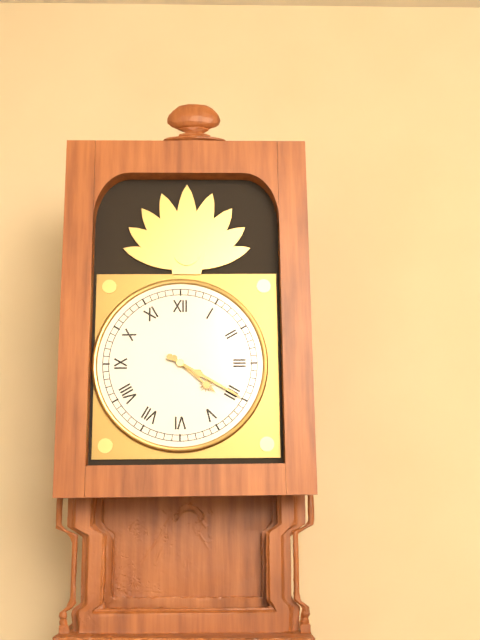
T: 4 h 20 min
